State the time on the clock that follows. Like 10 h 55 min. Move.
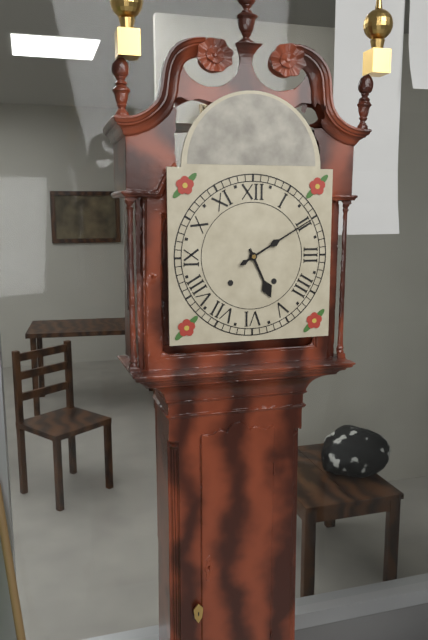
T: 5 h 10 min
